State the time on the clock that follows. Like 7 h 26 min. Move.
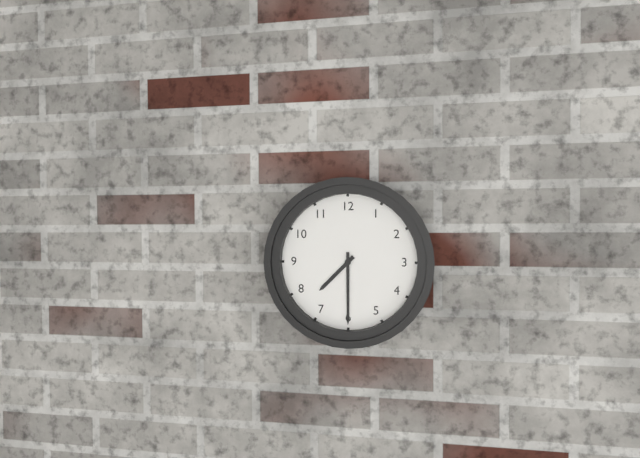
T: 7 h 30 min
